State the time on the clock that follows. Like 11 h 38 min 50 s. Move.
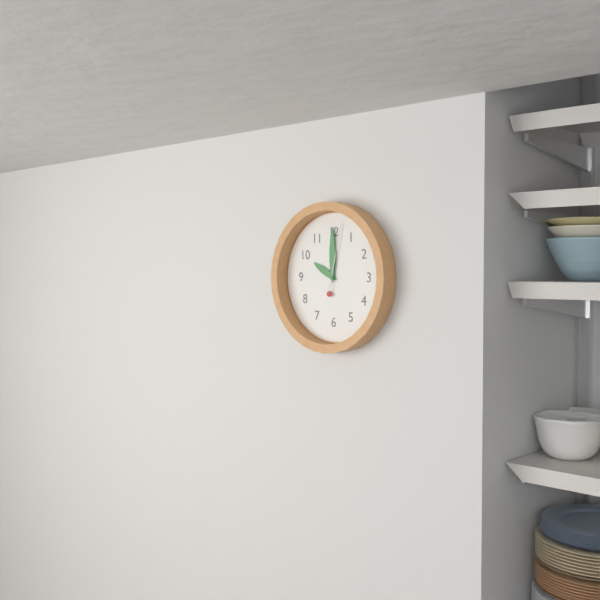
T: 10 h 00 min 02 s
